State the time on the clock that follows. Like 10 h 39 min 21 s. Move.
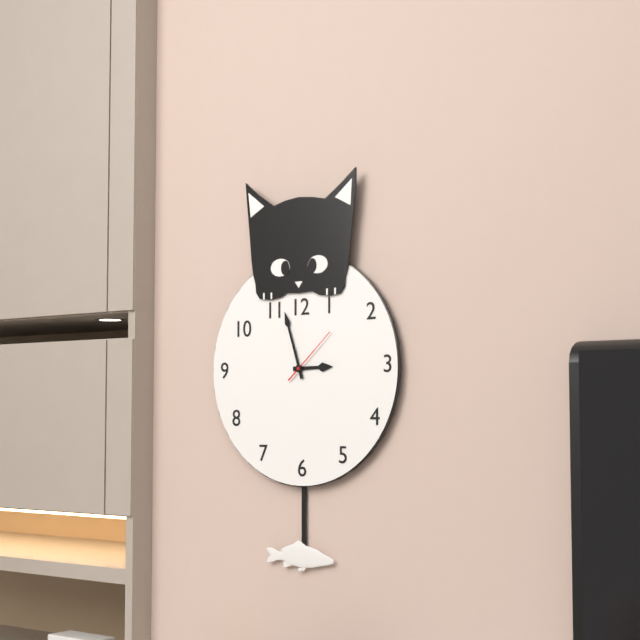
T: 2 h 57 min 08 s
